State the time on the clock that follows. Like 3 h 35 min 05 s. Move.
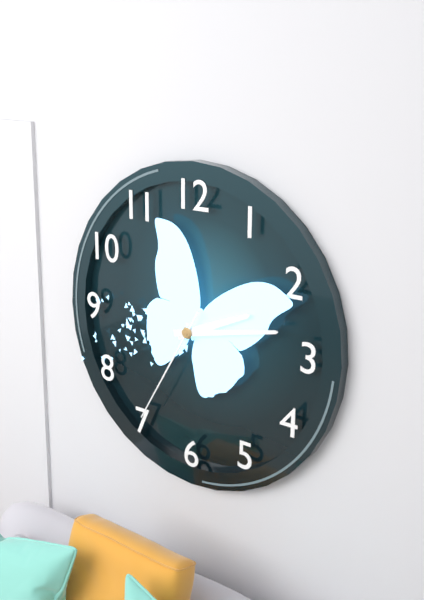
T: 2 h 13 min 35 s
